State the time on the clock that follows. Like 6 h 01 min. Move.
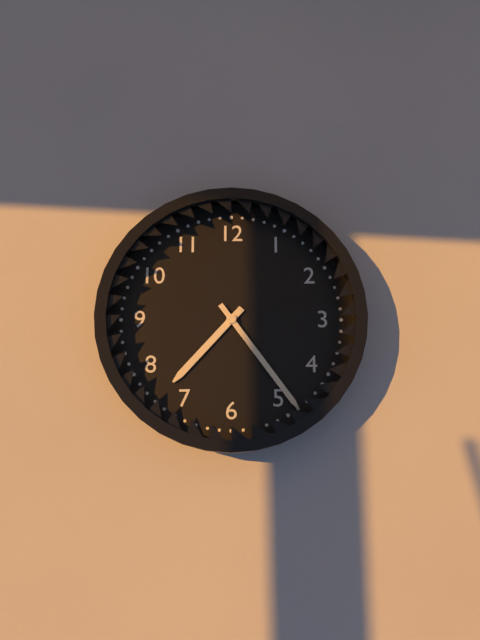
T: 7 h 24 min
